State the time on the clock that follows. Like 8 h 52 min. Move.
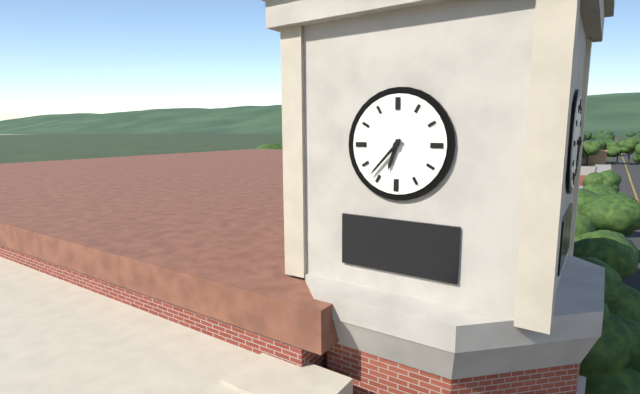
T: 6 h 37 min
